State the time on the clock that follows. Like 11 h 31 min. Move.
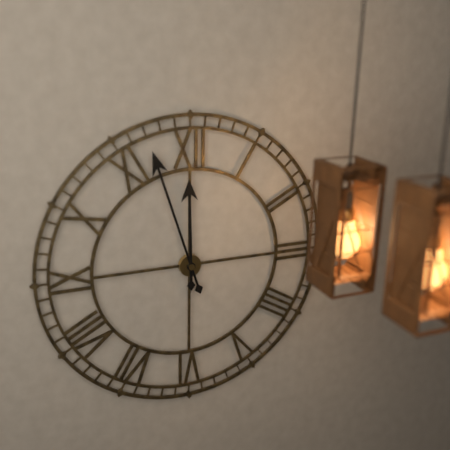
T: 11 h 57 min
